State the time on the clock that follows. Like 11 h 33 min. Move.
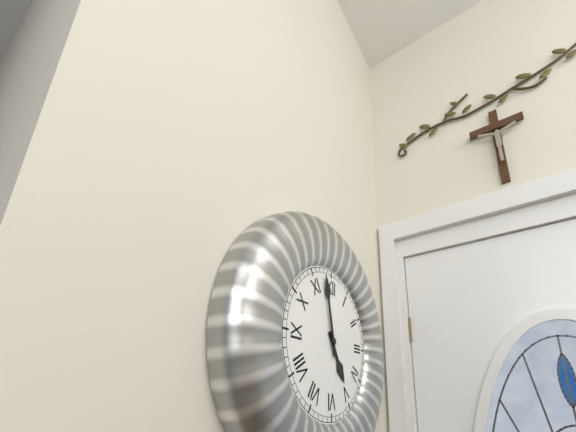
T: 4 h 58 min
